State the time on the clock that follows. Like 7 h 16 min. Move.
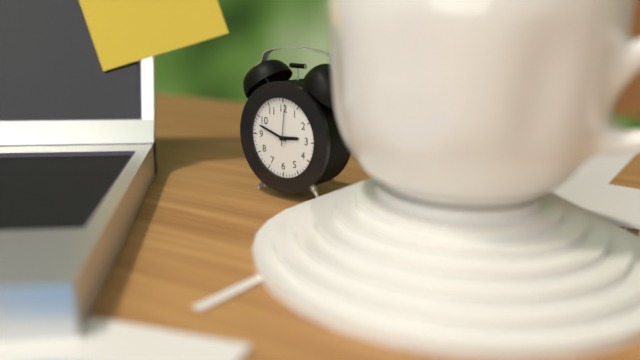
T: 2 h 48 min
